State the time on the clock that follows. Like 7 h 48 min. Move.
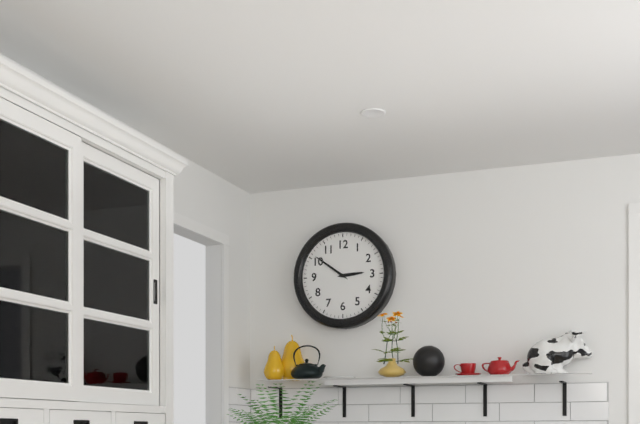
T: 2 h 51 min
